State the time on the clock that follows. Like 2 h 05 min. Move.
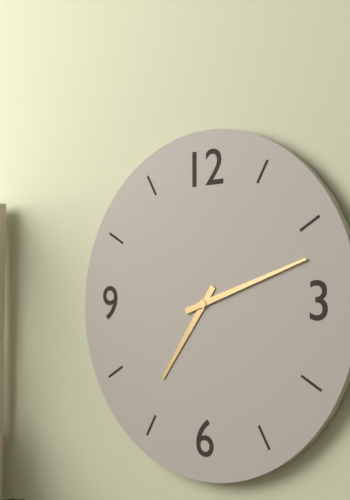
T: 7 h 12 min
